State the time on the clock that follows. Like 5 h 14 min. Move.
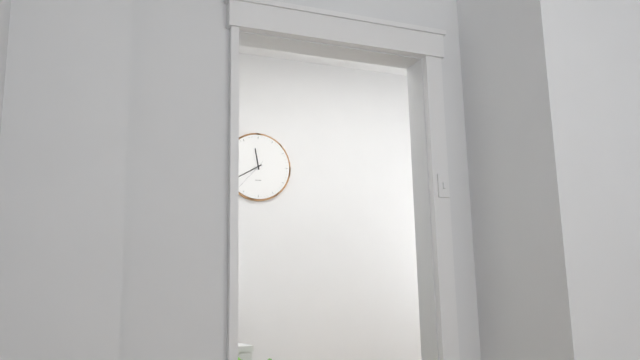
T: 11 h 40 min
